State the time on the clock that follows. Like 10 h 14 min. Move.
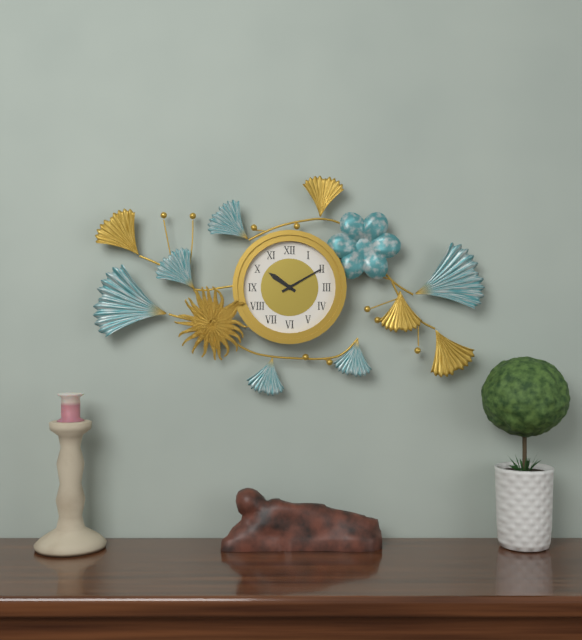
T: 10 h 10 min
